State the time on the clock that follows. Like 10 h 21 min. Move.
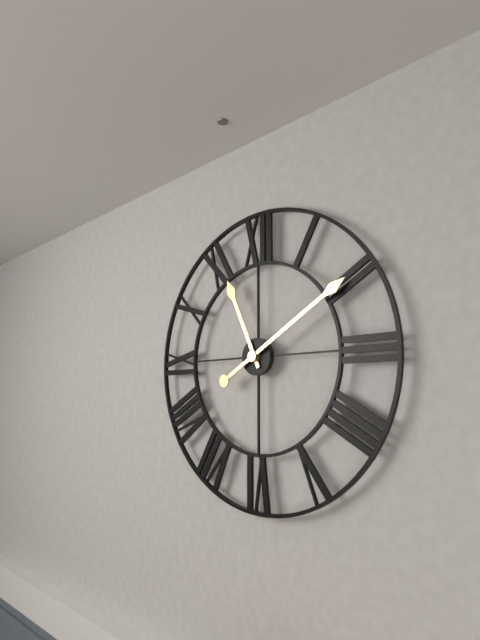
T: 11 h 10 min
